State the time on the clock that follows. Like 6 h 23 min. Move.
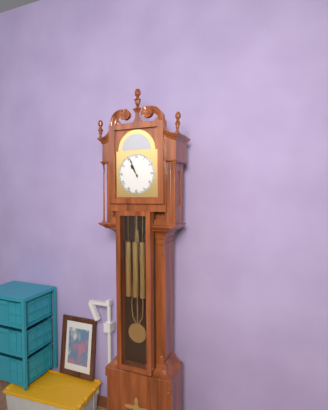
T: 10 h 56 min
